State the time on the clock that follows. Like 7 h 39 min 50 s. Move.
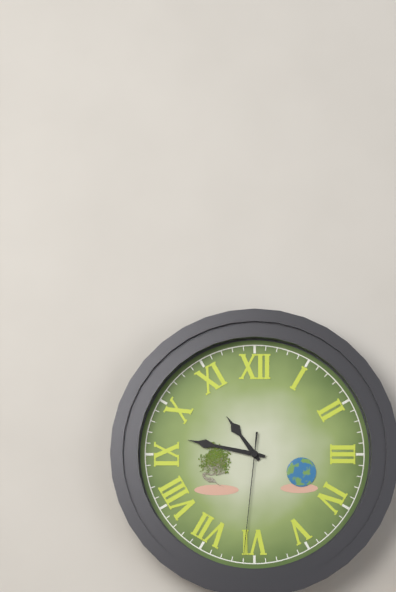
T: 10 h 47 min 31 s
